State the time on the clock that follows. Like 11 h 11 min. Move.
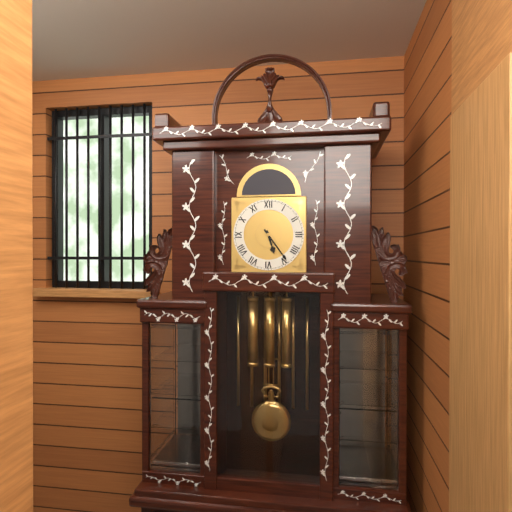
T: 5 h 24 min
